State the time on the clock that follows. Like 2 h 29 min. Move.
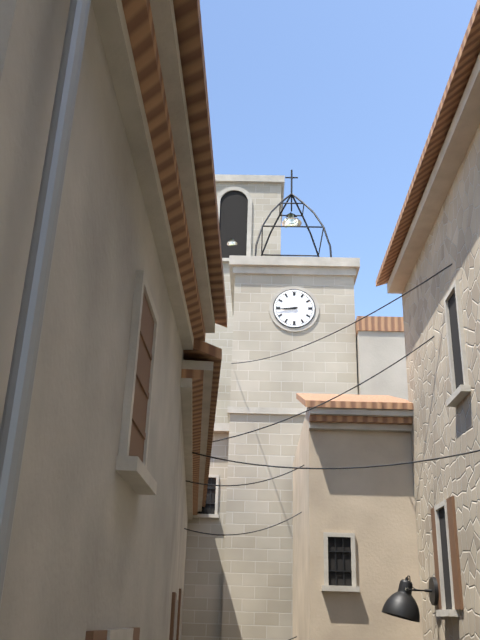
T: 8 h 44 min
